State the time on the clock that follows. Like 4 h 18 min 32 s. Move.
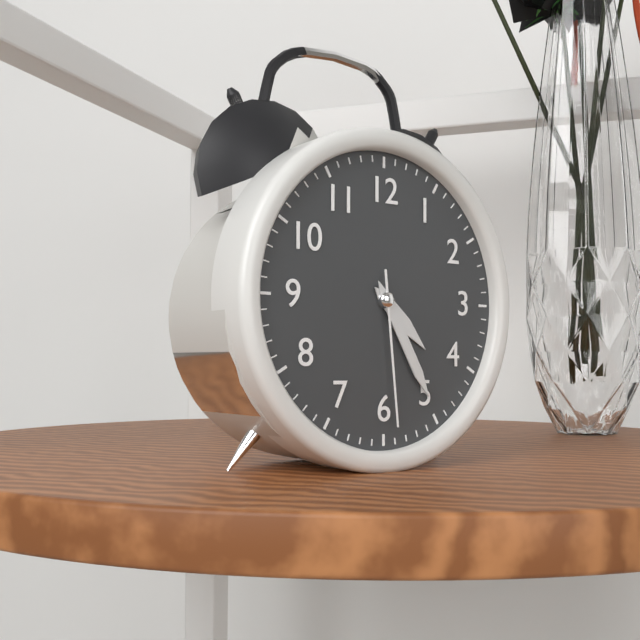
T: 4 h 25 min 29 s
